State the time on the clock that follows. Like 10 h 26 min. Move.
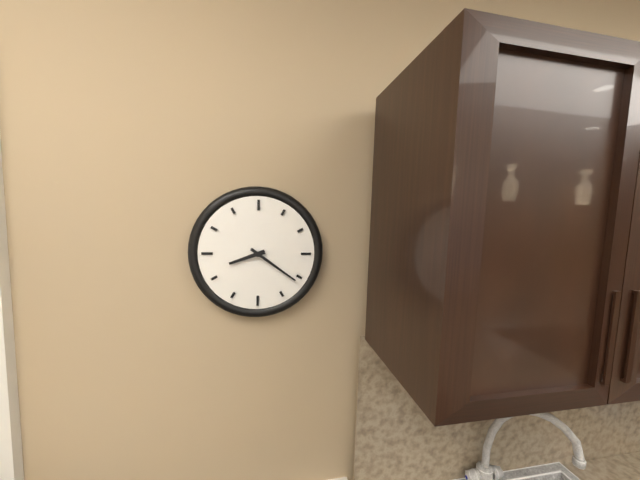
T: 8 h 21 min
